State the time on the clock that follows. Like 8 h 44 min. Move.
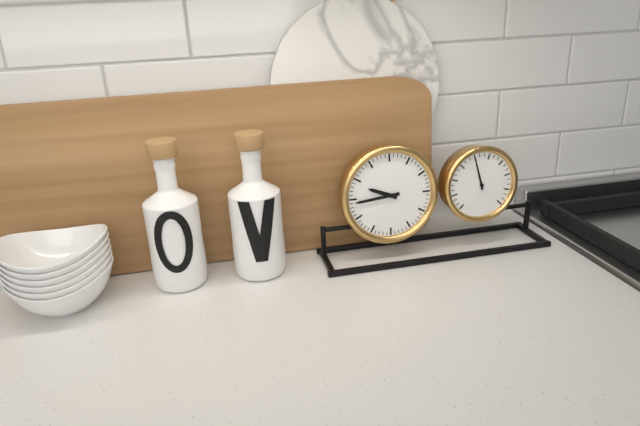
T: 9 h 44 min
